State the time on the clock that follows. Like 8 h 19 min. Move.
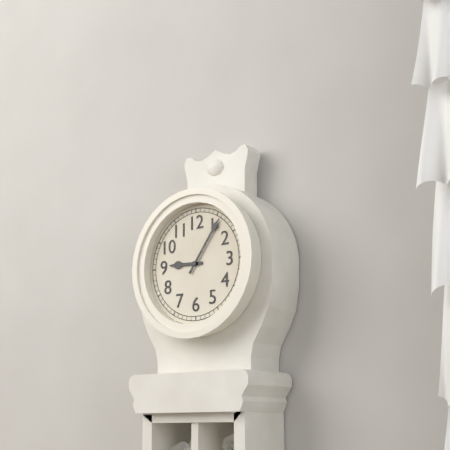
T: 9 h 06 min
